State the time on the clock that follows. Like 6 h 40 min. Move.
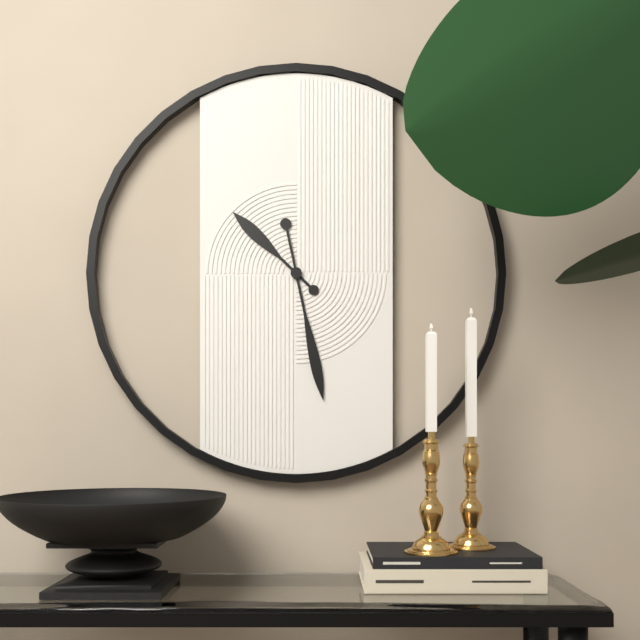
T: 10 h 28 min
